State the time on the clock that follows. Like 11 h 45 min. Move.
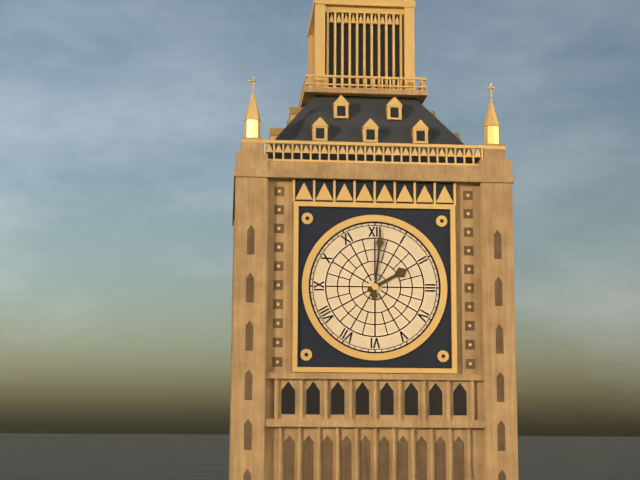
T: 2 h 01 min
